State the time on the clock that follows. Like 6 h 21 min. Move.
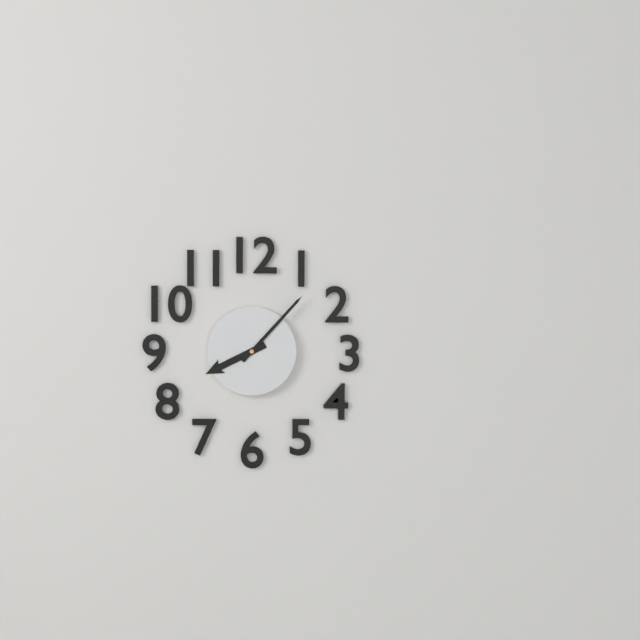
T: 8 h 07 min
